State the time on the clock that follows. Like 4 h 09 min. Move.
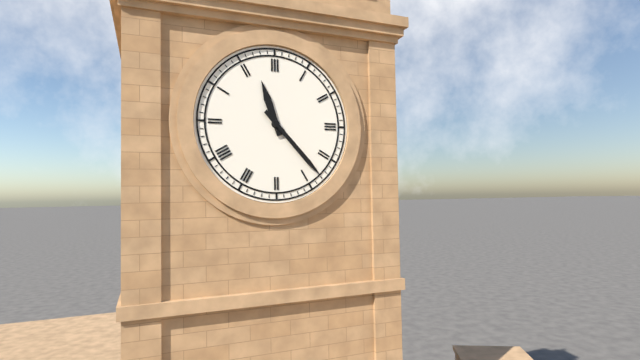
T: 11 h 23 min
